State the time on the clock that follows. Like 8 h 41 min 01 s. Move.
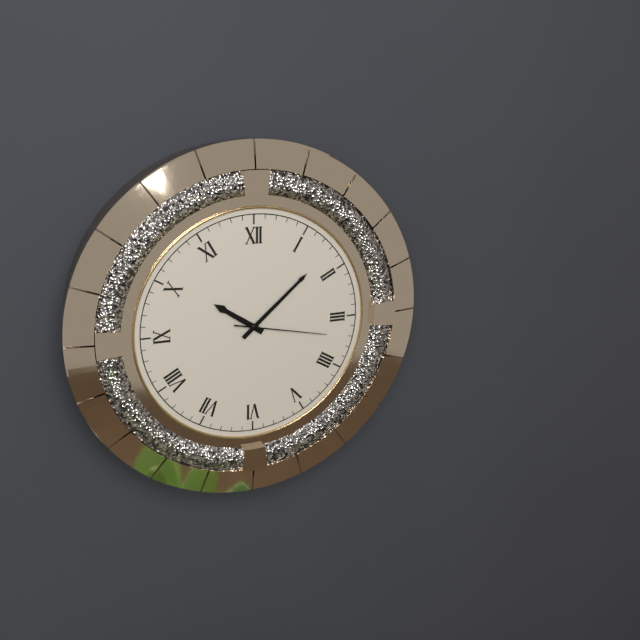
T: 10 h 08 min 17 s
